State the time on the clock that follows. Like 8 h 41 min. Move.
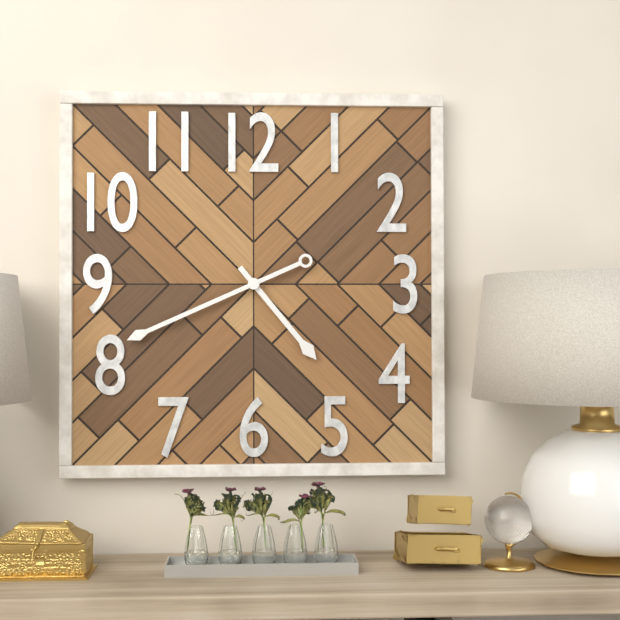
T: 4 h 41 min
